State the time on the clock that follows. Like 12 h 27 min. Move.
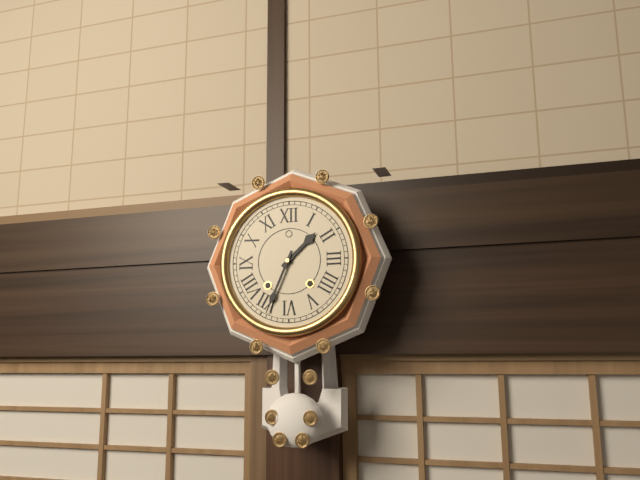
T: 1 h 34 min
